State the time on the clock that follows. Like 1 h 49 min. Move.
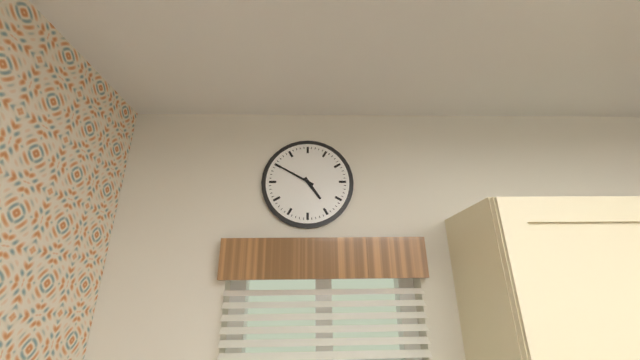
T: 4 h 50 min
